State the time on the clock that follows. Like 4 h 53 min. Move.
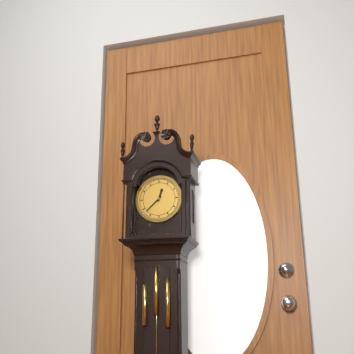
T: 12 h 38 min
